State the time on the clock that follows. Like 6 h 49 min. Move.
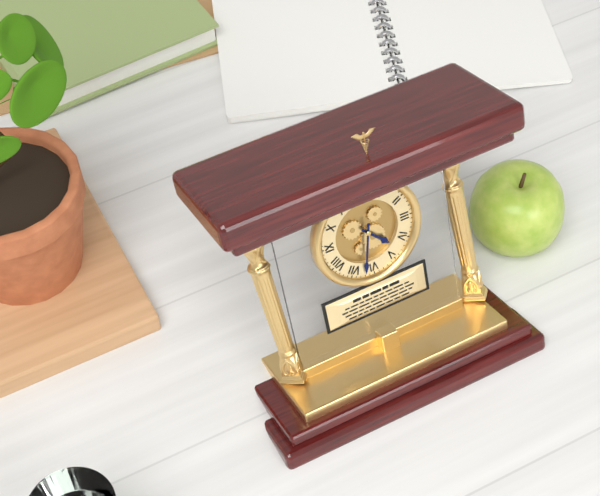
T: 4 h 32 min
